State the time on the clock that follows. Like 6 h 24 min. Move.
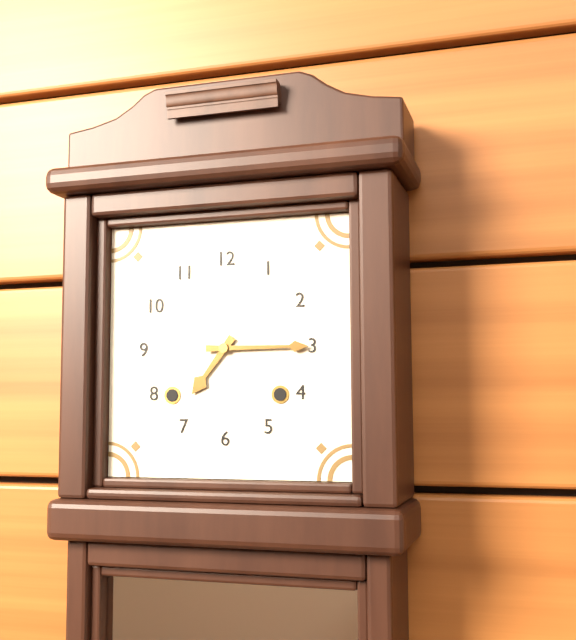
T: 7 h 15 min
